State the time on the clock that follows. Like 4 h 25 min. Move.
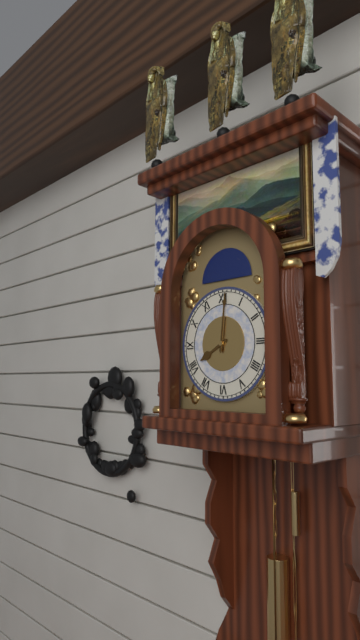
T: 8 h 01 min
